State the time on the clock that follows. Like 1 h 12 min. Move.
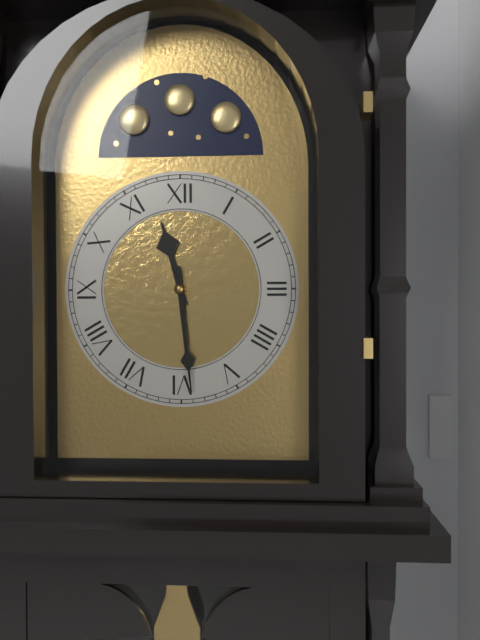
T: 11 h 29 min
